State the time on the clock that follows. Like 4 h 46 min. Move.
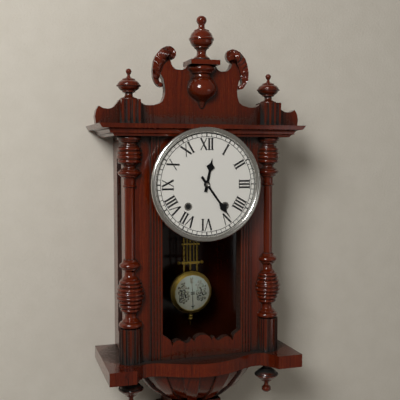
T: 12 h 24 min
